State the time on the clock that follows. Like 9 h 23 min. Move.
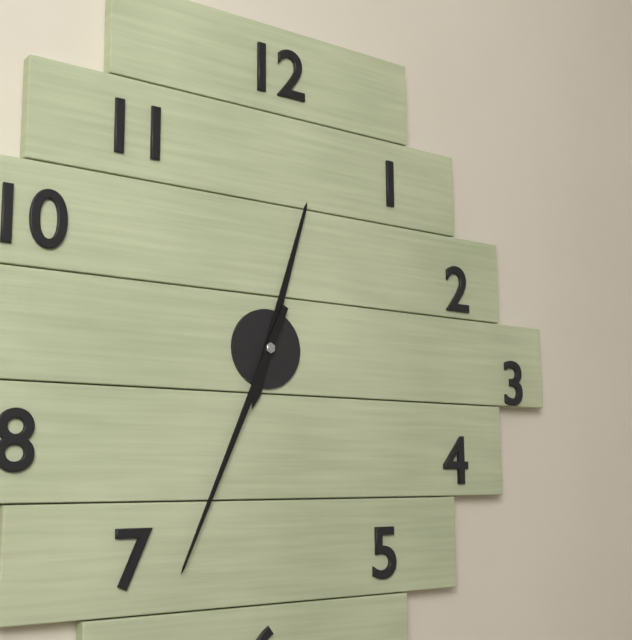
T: 12 h 34 min
